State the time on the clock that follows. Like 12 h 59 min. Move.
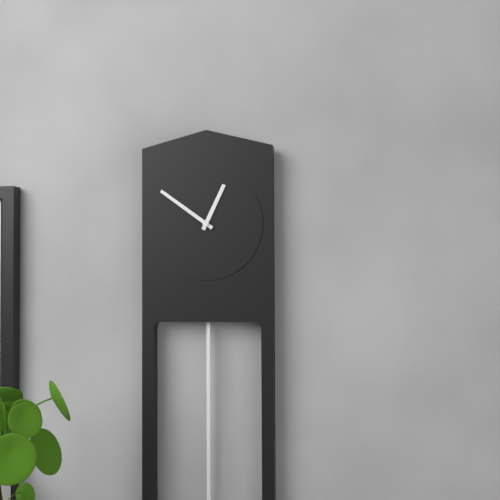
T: 12 h 51 min
